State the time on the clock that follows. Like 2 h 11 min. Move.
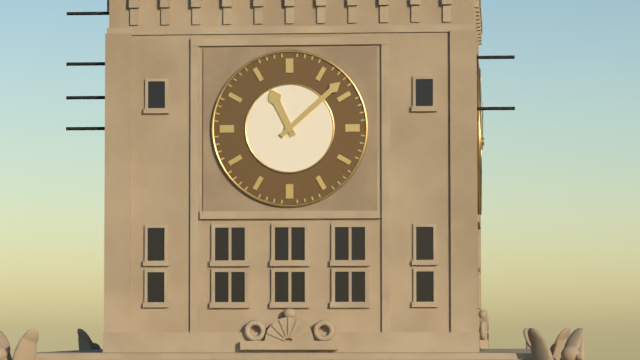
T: 11 h 08 min
